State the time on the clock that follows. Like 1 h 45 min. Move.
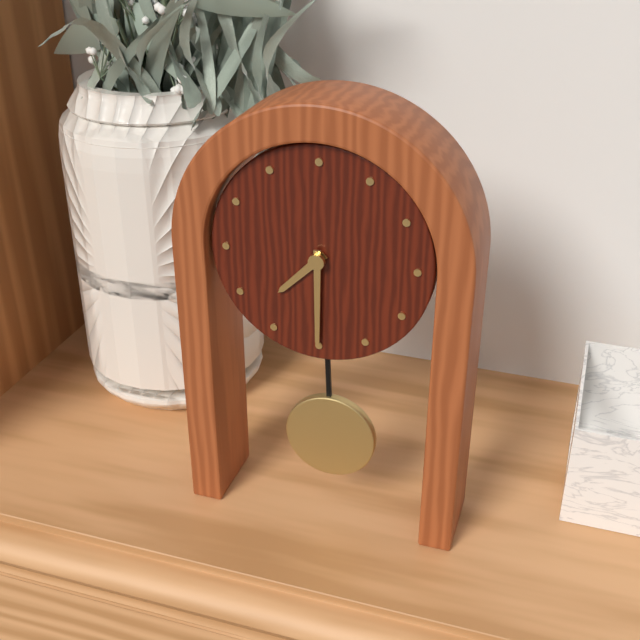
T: 7 h 30 min
